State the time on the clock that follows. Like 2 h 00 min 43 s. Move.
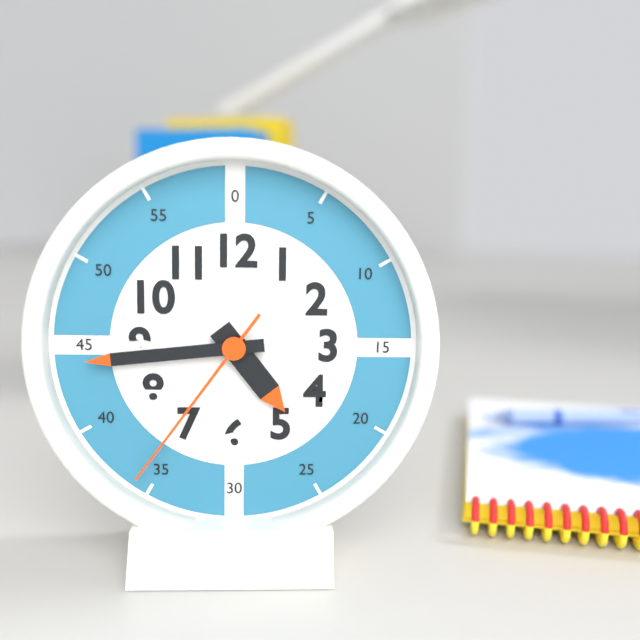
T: 4 h 44 min 36 s
